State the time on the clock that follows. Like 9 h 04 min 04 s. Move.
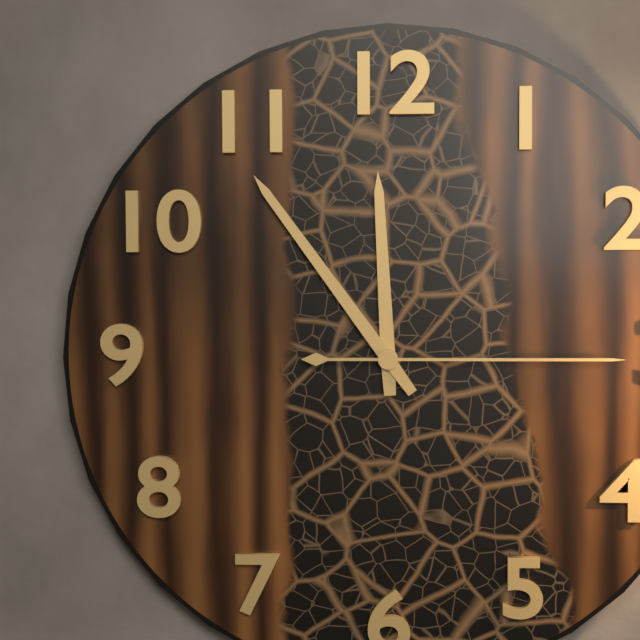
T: 11 h 54 min 15 s
